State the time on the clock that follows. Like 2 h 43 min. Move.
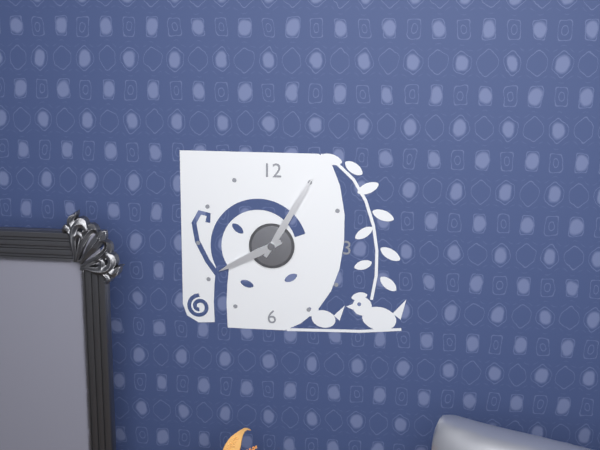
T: 8 h 05 min
